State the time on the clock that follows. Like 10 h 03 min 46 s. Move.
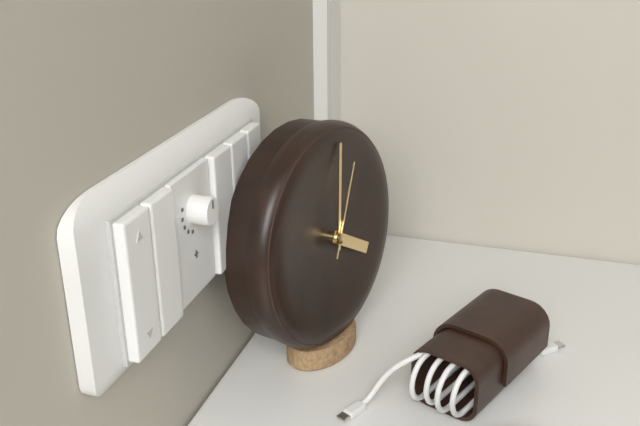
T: 4 h 01 min 04 s
